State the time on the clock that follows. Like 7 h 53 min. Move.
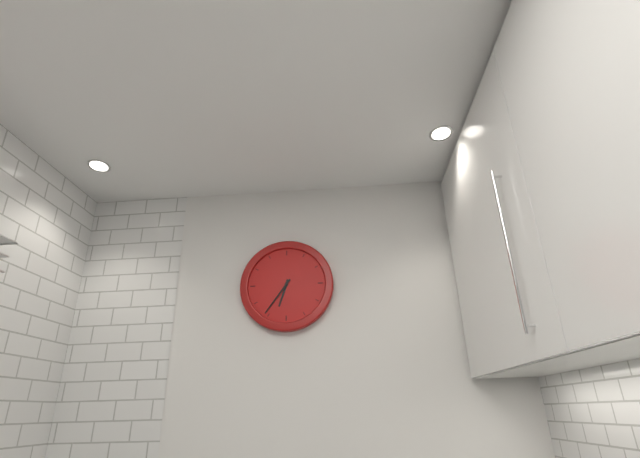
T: 6 h 36 min
